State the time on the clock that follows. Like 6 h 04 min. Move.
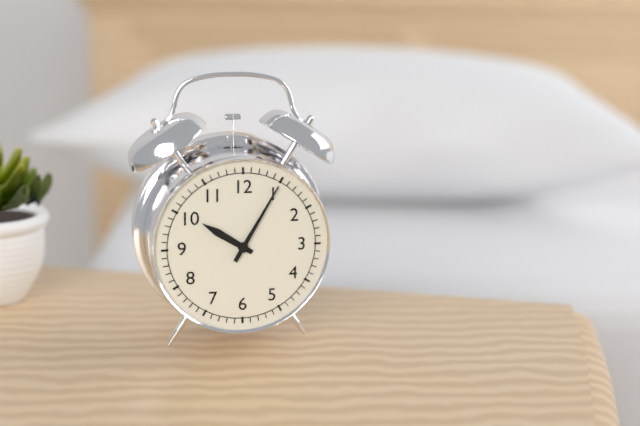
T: 10 h 05 min
